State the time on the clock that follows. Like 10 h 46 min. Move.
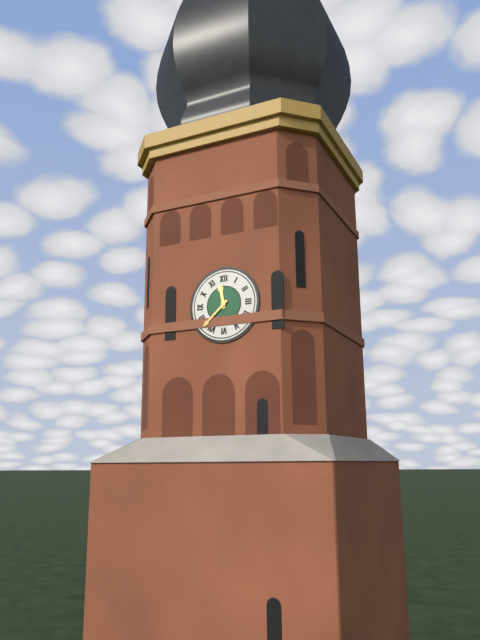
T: 11 h 38 min
